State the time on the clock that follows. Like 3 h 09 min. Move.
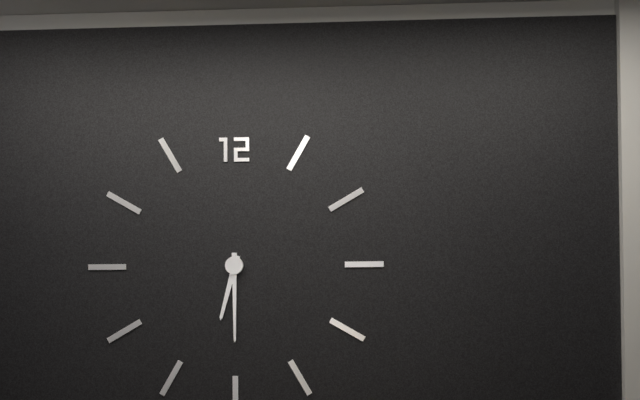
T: 6 h 30 min
